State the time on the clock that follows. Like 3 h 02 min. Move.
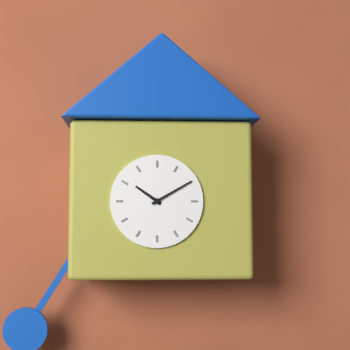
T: 10 h 10 min
